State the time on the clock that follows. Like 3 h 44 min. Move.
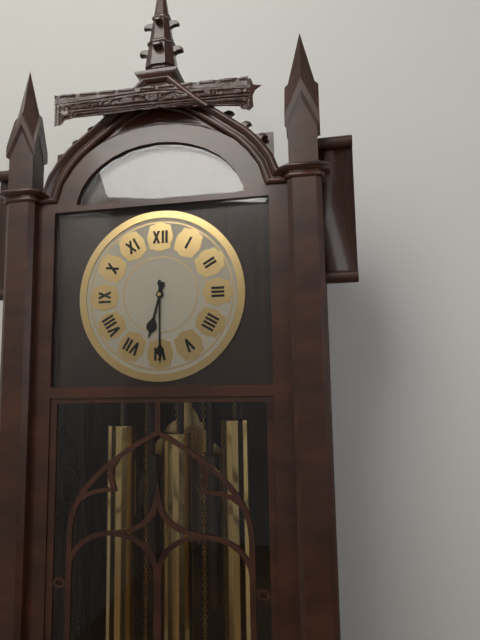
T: 6 h 30 min
